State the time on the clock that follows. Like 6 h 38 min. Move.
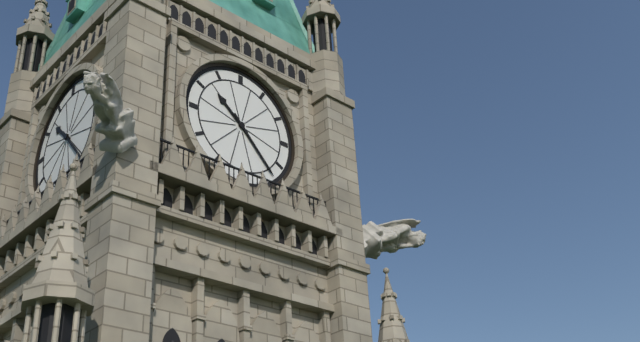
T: 10 h 23 min
